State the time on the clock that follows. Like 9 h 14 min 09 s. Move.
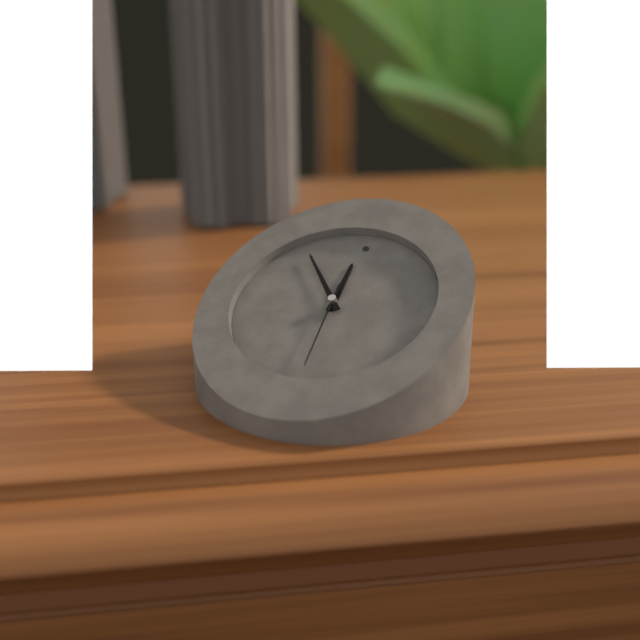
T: 11 h 53 min 29 s
